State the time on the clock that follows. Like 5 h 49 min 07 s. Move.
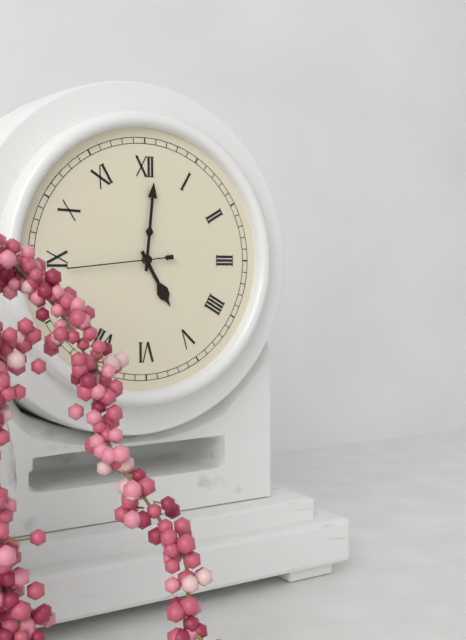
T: 5 h 01 min 44 s
